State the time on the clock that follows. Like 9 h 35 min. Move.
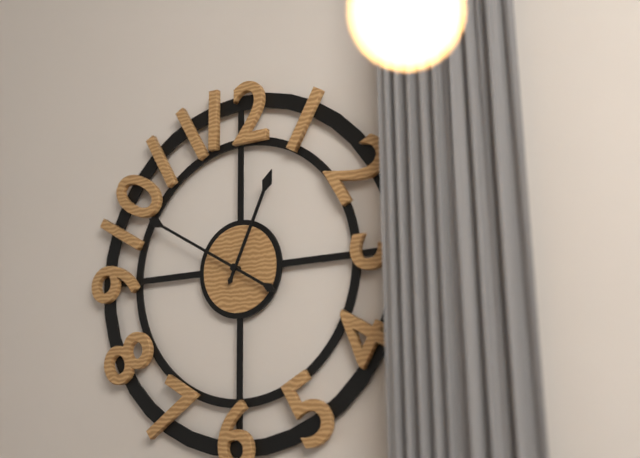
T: 12 h 50 min
